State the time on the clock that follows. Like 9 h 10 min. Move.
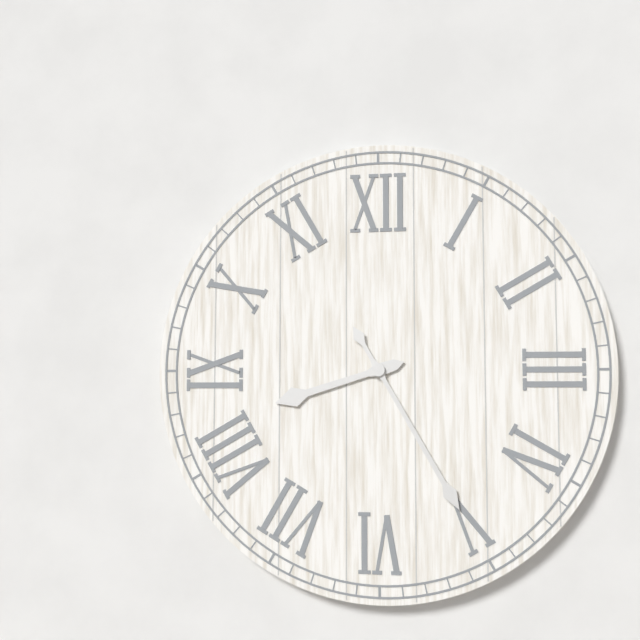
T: 8 h 25 min
